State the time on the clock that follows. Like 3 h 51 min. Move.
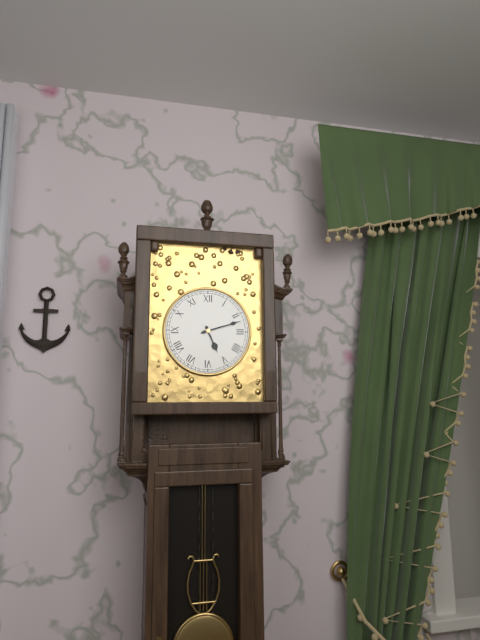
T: 5 h 12 min
